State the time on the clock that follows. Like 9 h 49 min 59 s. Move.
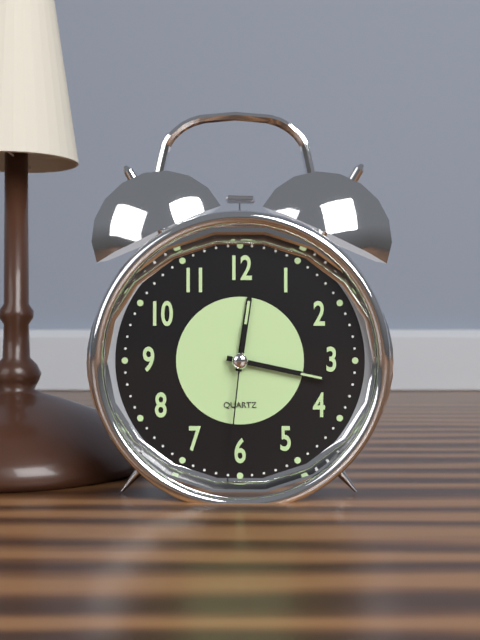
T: 12 h 17 min 31 s
